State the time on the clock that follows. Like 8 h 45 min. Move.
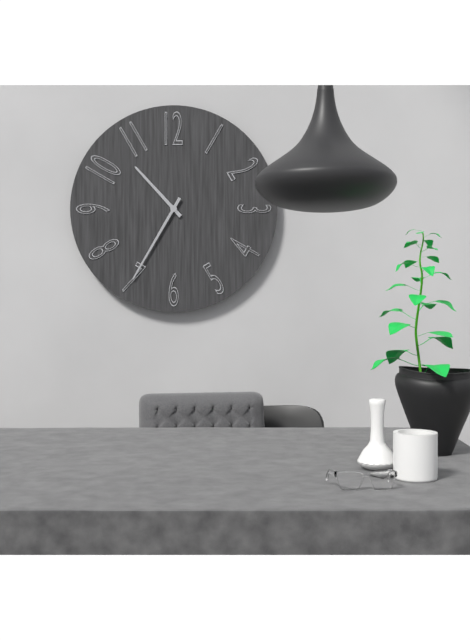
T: 10 h 35 min
